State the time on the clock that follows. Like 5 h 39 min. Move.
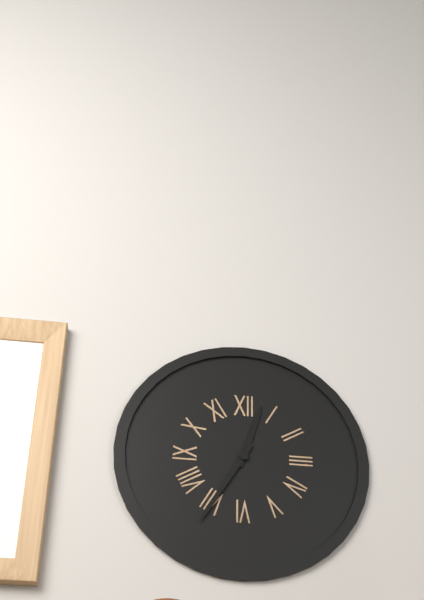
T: 12 h 35 min
